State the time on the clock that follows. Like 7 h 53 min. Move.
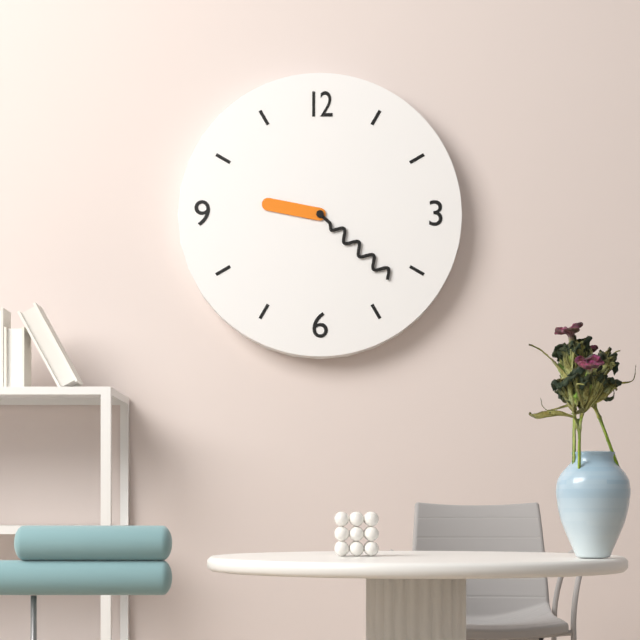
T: 9 h 22 min
